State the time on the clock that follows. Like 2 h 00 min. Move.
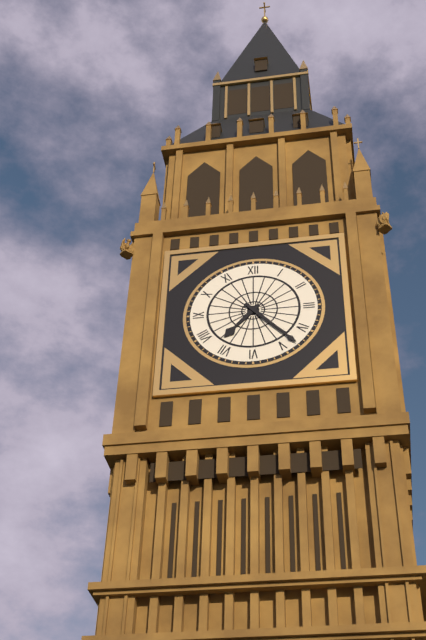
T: 7 h 23 min
